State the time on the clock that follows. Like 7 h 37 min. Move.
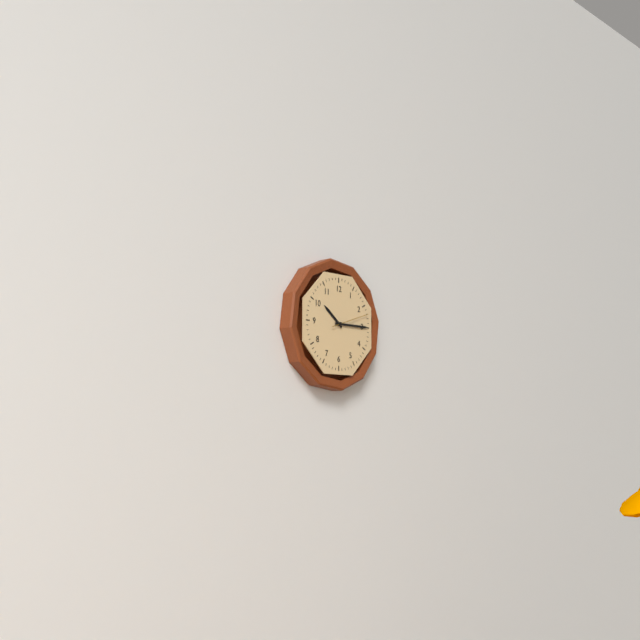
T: 10 h 15 min
